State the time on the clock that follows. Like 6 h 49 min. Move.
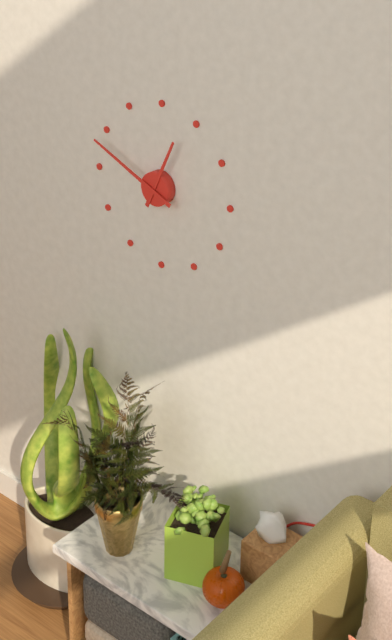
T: 12 h 49 min
